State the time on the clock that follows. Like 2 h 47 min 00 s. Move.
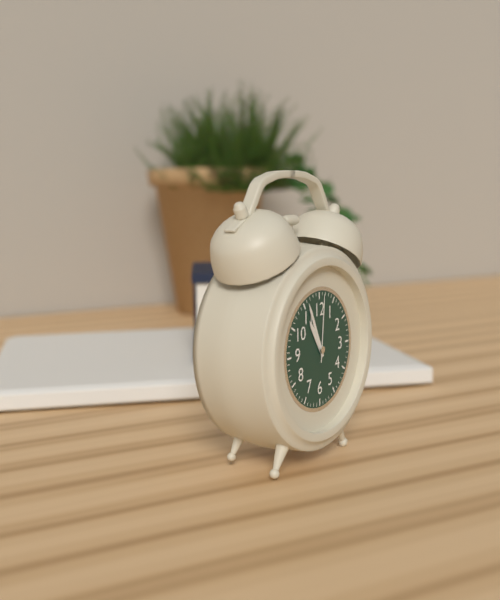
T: 10 h 56 min 01 s
